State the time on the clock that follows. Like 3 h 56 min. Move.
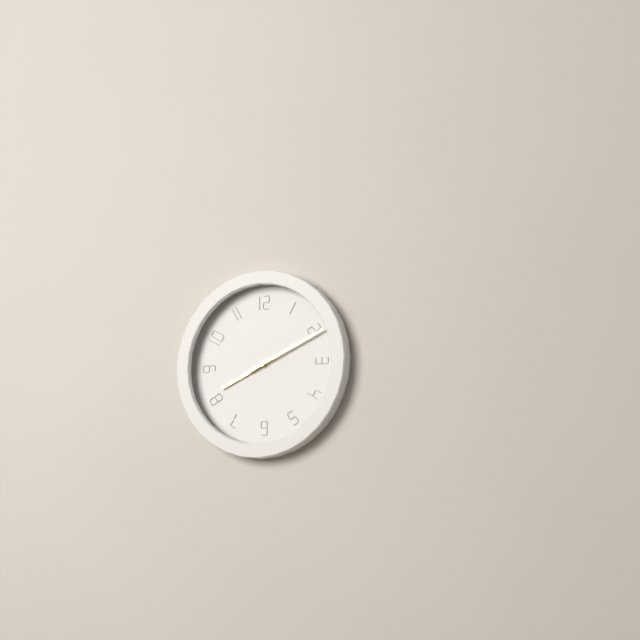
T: 8 h 11 min
